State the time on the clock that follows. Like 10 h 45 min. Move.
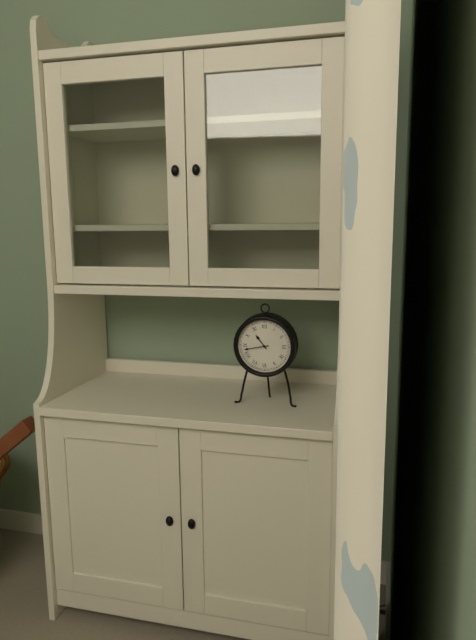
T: 10 h 43 min
